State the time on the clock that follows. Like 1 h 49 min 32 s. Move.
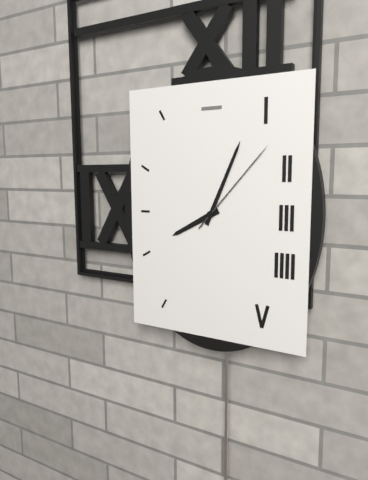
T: 8 h 04 min 07 s
